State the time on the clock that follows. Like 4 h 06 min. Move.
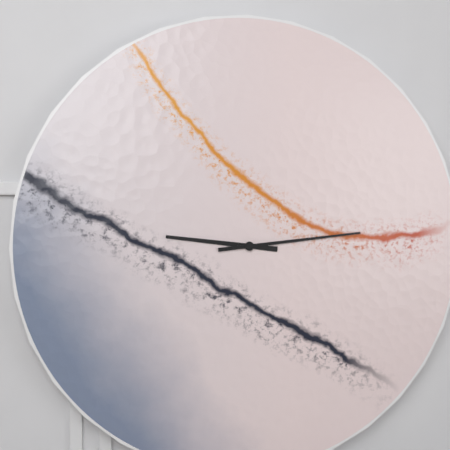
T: 9 h 14 min
